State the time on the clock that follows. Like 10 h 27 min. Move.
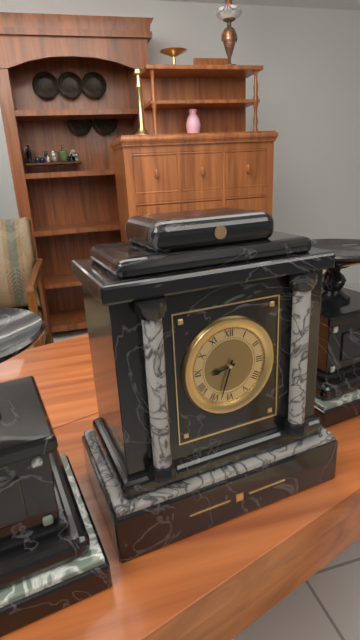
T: 8 h 33 min
